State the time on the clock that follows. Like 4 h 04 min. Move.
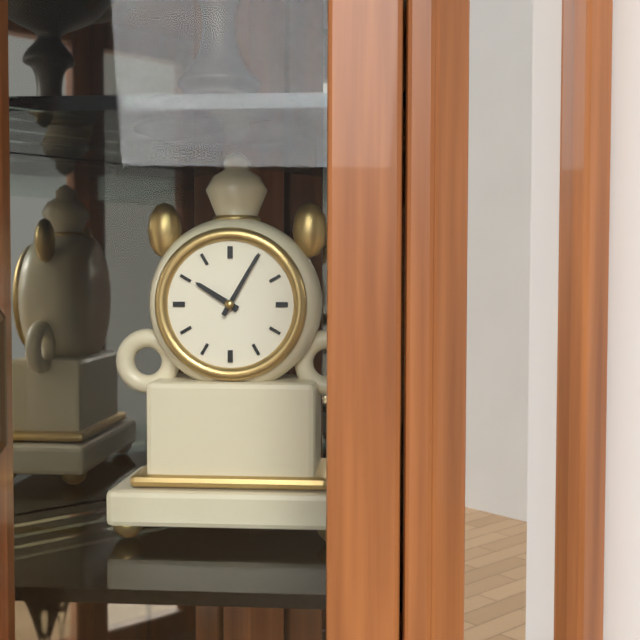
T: 10 h 05 min
